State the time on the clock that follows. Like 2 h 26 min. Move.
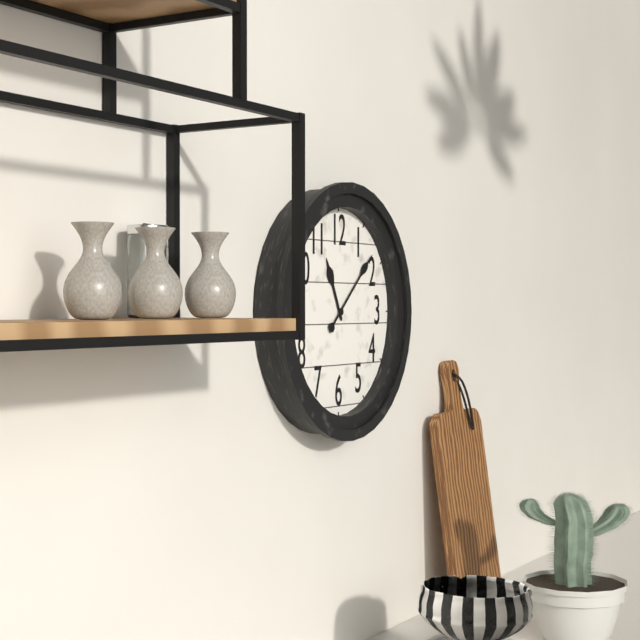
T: 11 h 08 min
